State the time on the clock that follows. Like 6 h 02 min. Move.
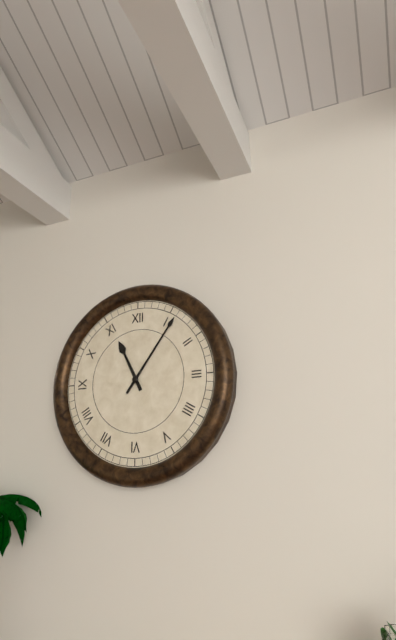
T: 11 h 06 min
